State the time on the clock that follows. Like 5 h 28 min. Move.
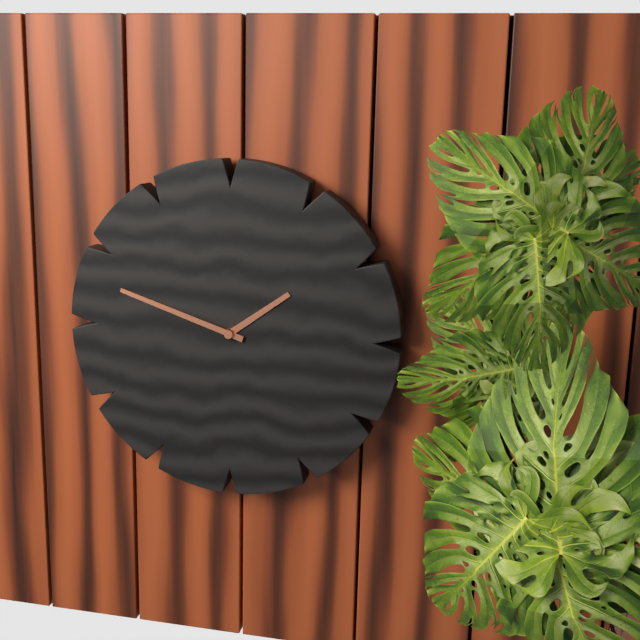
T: 1 h 48 min
